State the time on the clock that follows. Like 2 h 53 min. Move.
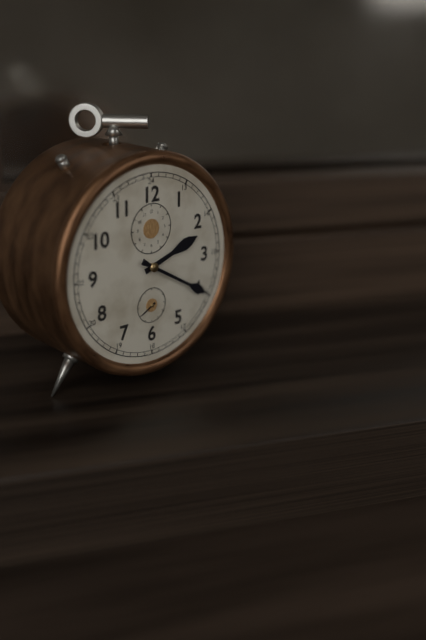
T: 2 h 20 min
